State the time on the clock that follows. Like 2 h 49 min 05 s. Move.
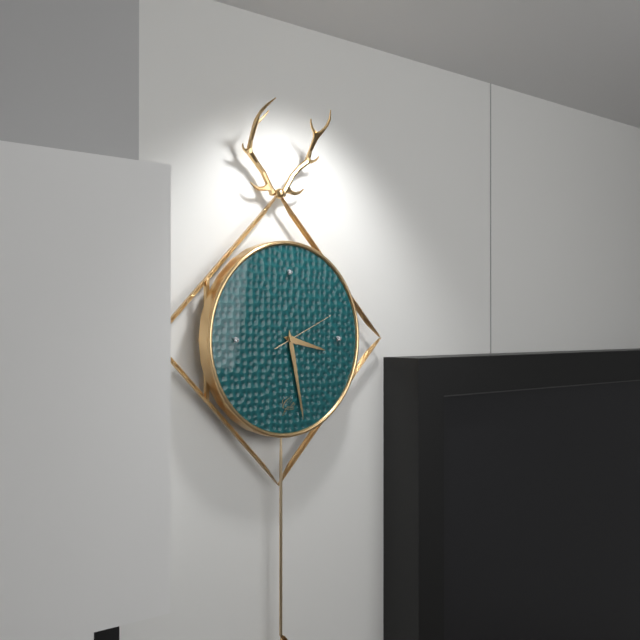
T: 3 h 28 min 11 s
